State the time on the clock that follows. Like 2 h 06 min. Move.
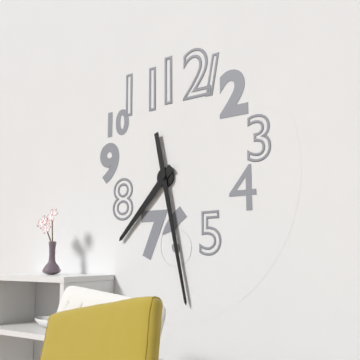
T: 7 h 28 min
